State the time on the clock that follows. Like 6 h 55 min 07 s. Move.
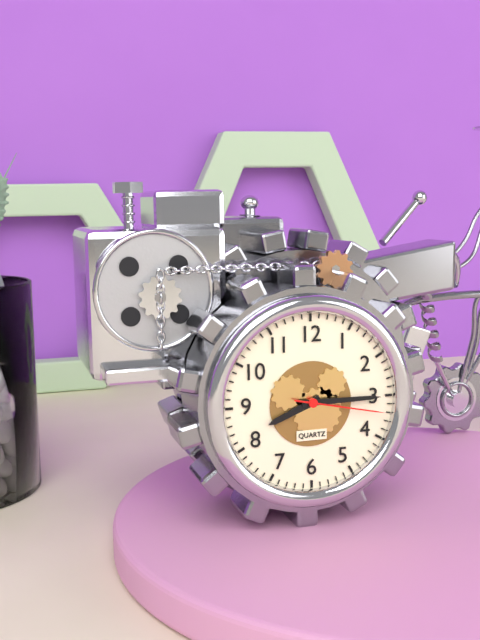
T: 8 h 15 min 17 s
